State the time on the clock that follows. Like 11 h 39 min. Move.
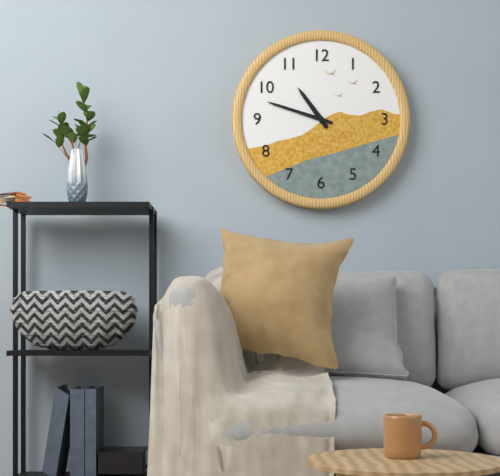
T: 10 h 48 min
